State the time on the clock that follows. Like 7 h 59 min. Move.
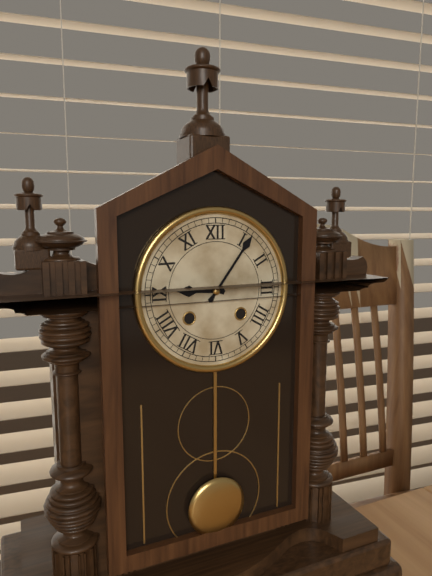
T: 9 h 06 min
